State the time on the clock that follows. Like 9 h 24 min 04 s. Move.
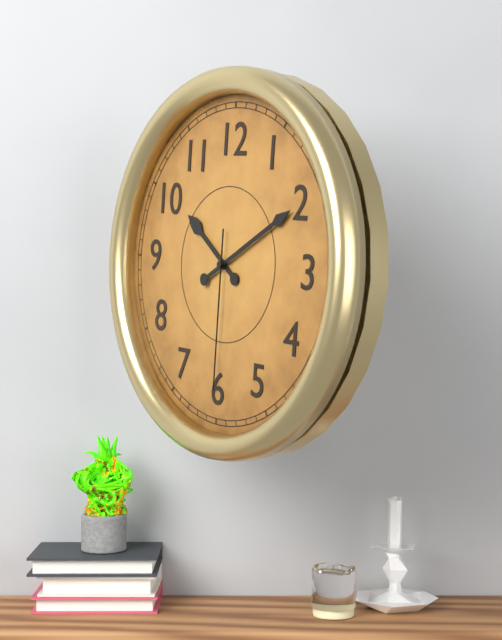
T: 10 h 10 min 30 s
